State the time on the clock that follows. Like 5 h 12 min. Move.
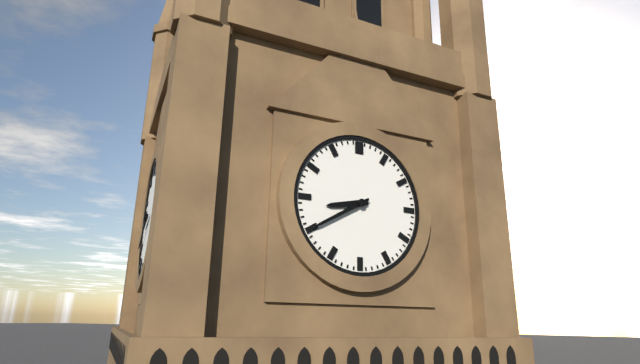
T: 8 h 40 min
